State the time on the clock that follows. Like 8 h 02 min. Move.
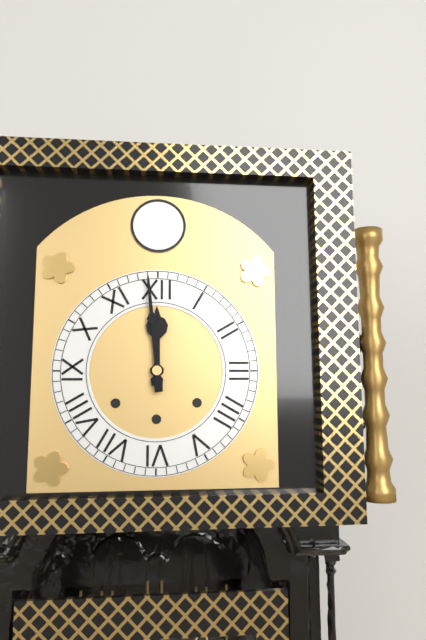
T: 11 h 59 min
